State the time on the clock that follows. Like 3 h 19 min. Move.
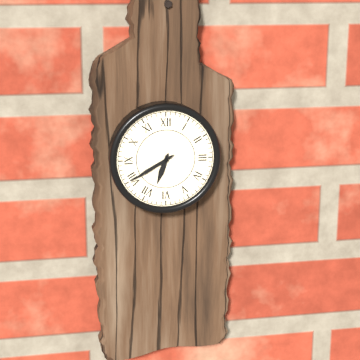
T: 6 h 40 min
